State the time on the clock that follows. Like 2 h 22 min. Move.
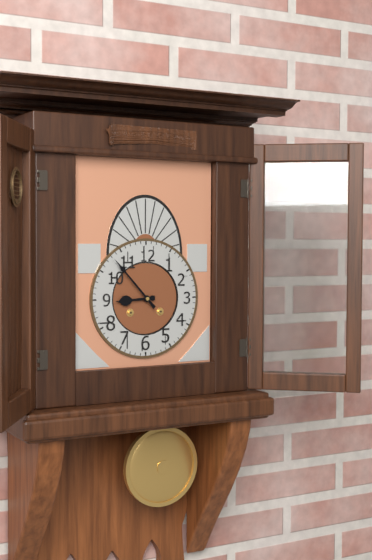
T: 8 h 53 min
